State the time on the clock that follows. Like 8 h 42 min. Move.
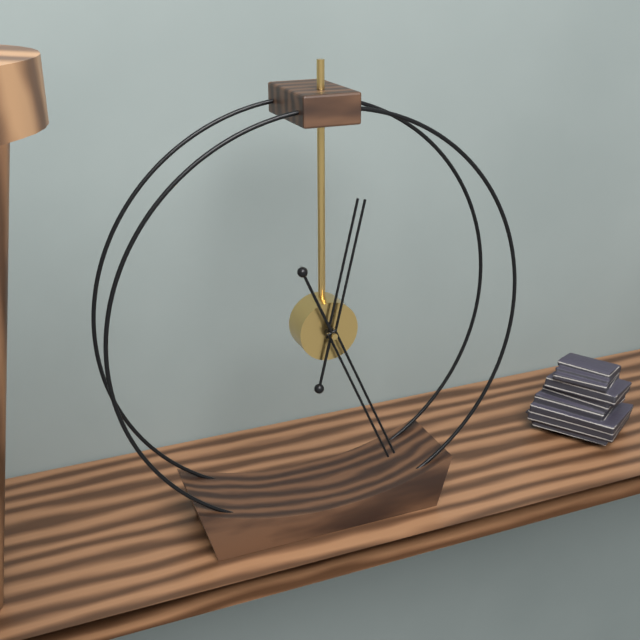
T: 12 h 26 min
